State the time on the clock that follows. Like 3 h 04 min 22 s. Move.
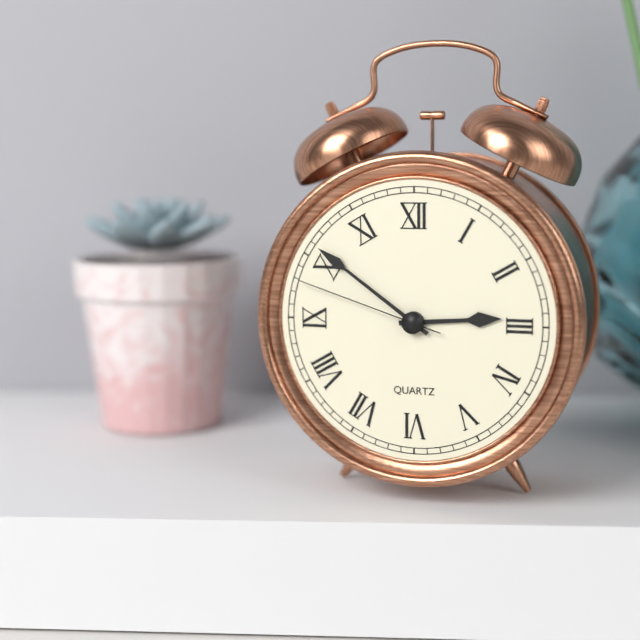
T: 2 h 51 min 48 s
